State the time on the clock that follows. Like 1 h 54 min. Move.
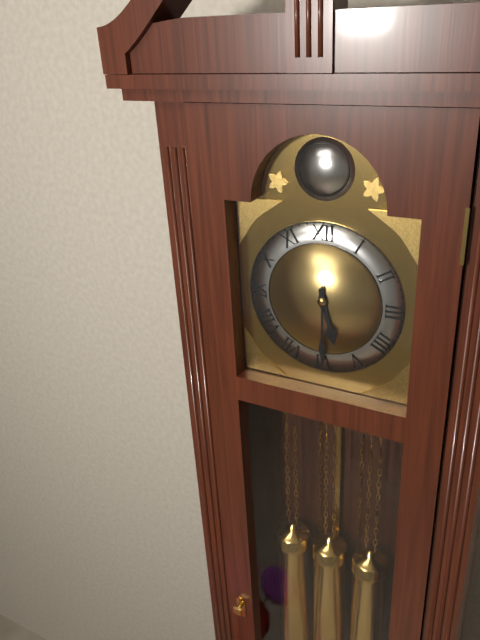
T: 5 h 30 min
